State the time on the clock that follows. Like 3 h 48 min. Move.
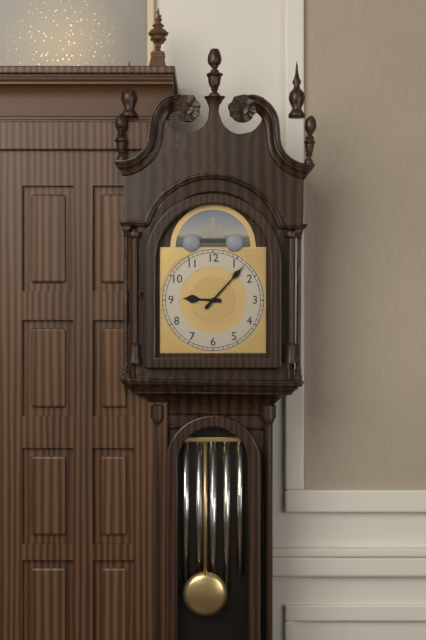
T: 9 h 07 min
